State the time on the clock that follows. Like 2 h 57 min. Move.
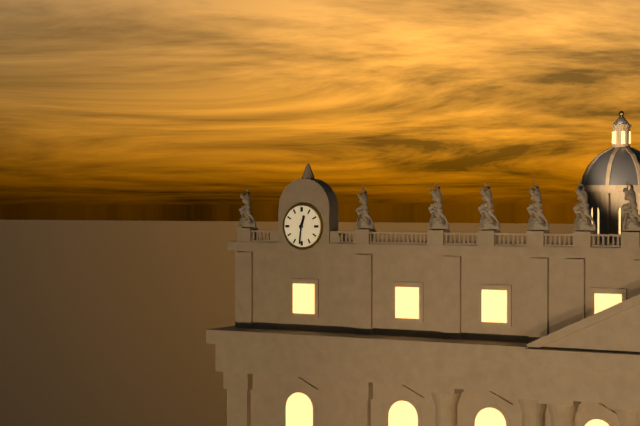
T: 12 h 31 min
